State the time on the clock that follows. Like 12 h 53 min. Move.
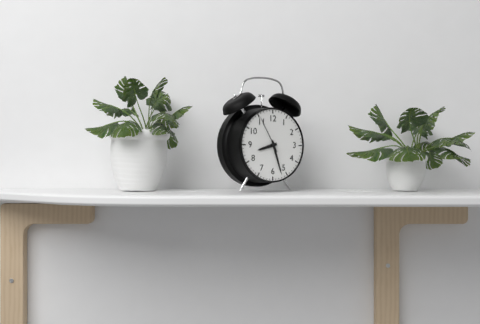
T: 8 h 27 min
